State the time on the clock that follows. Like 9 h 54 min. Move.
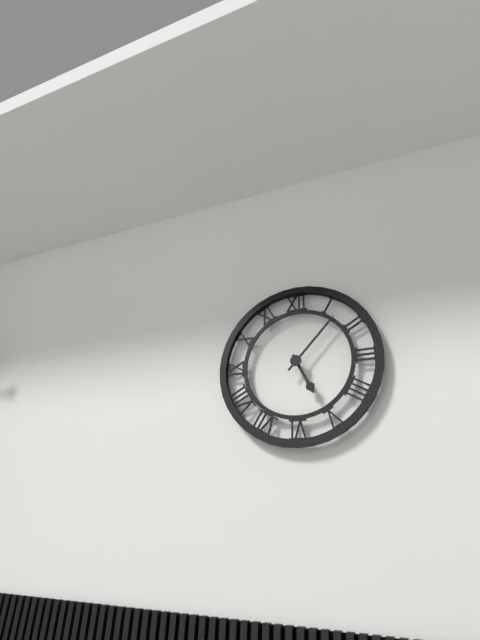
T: 5 h 07 min
